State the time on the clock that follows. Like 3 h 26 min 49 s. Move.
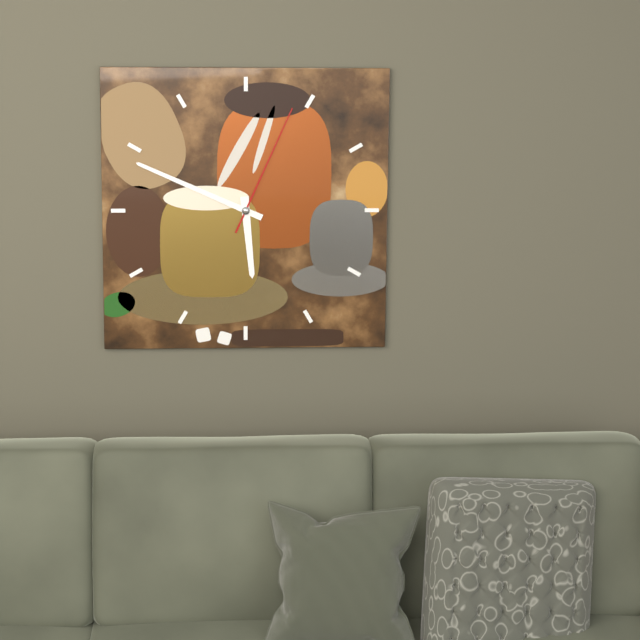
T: 5 h 49 min 04 s
